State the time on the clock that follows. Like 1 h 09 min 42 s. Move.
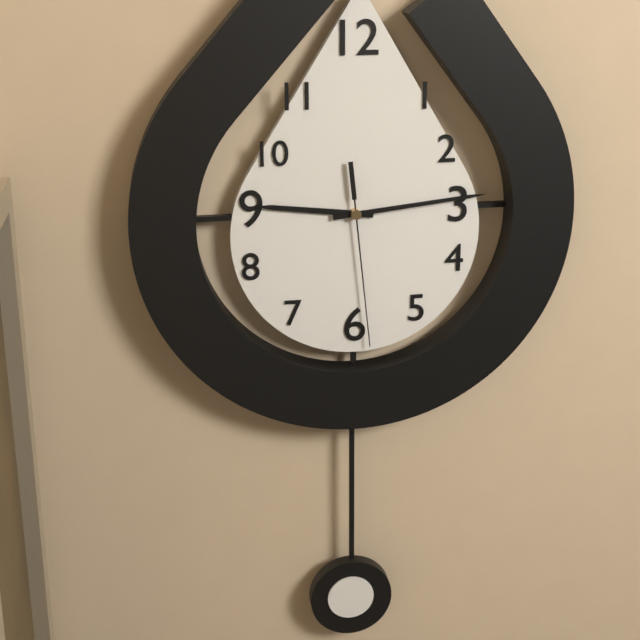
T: 9 h 14 min 29 s
